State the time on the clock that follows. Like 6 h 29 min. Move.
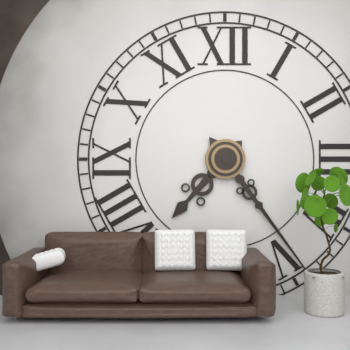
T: 7 h 24 min
